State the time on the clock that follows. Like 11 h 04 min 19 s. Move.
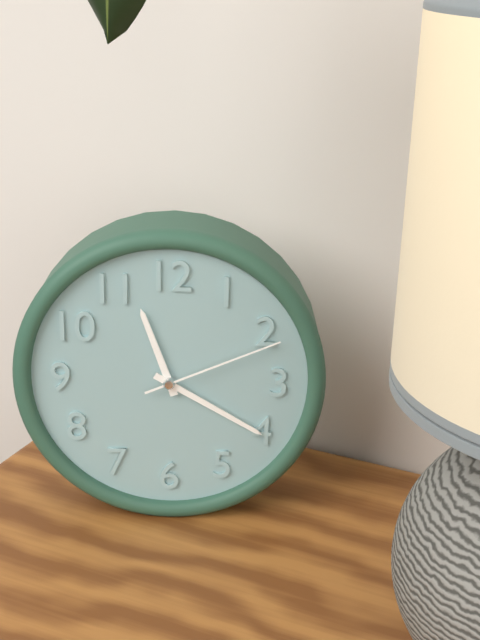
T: 11 h 20 min 11 s
